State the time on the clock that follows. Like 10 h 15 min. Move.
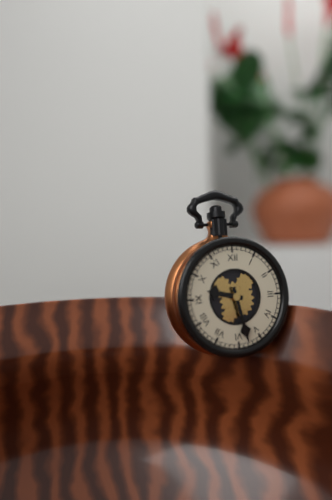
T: 9 h 28 min
